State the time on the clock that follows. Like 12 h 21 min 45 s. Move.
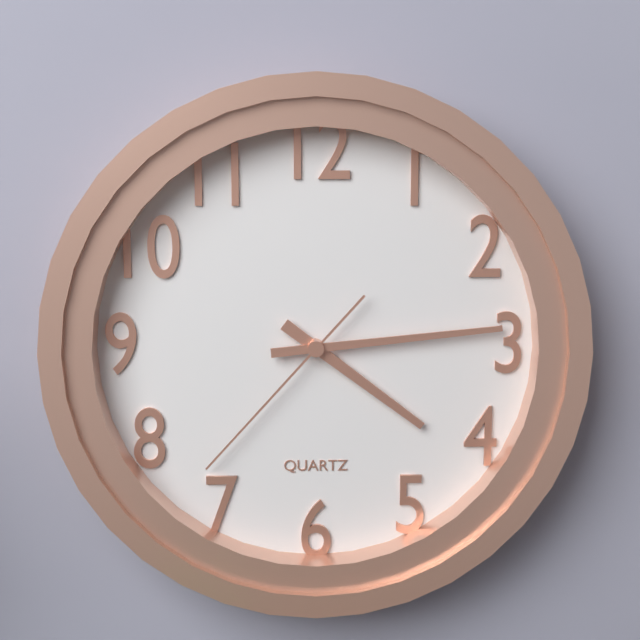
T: 4 h 14 min 37 s
